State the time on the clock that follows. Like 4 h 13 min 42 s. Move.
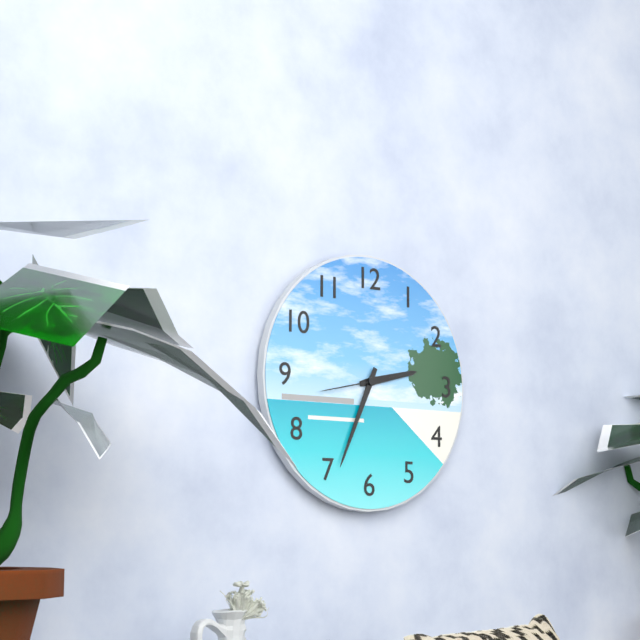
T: 2 h 34 min 43 s
